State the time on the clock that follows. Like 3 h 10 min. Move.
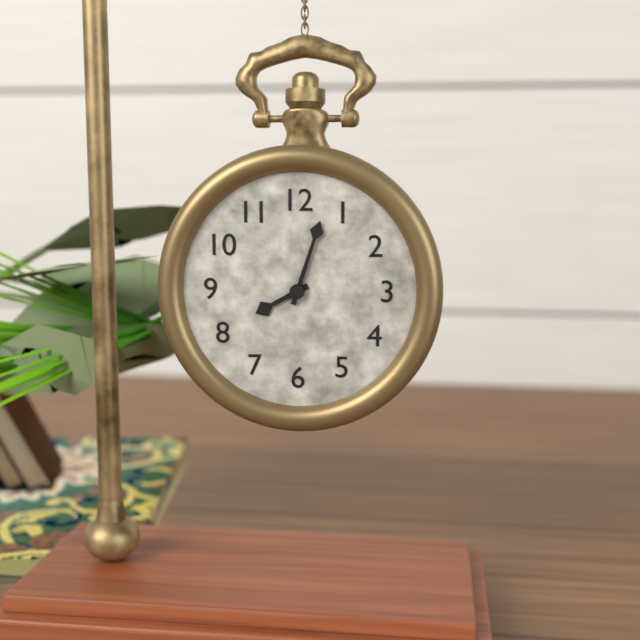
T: 8 h 03 min
